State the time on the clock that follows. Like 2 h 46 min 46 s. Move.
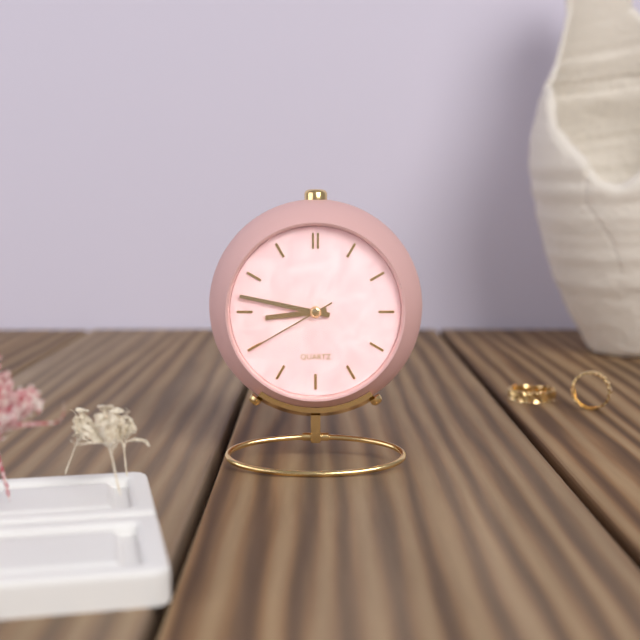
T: 8 h 47 min 40 s
